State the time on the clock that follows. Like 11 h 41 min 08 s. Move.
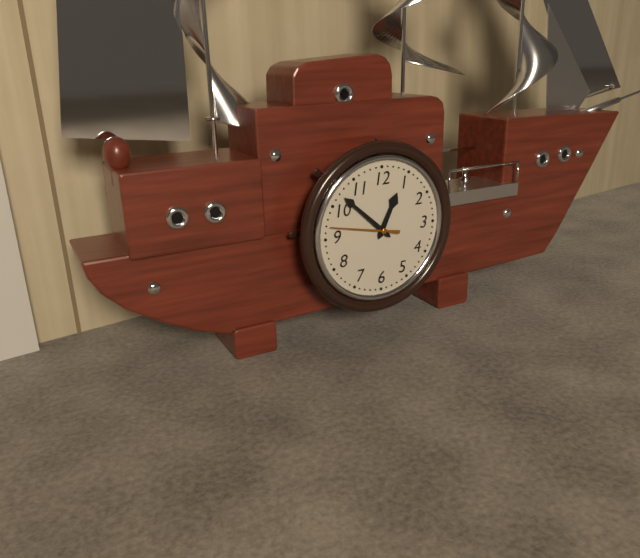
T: 12 h 52 min 47 s
